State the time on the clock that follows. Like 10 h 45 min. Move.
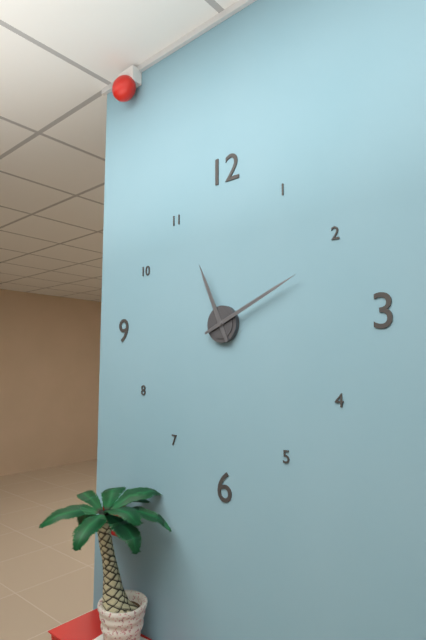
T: 11 h 11 min
